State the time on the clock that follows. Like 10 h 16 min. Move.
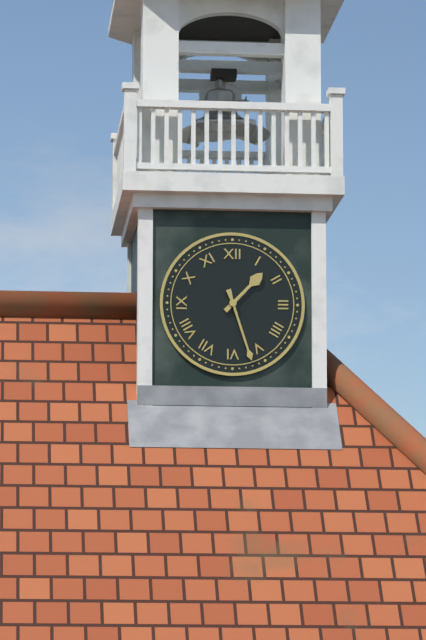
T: 1 h 27 min
